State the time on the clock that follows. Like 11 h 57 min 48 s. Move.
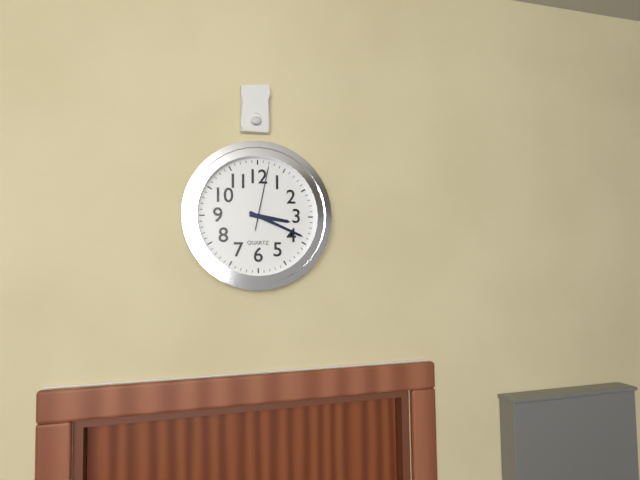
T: 3 h 19 min 02 s
